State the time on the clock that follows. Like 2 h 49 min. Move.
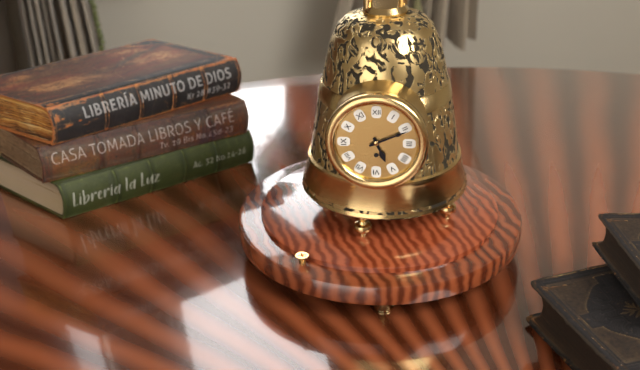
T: 5 h 11 min
